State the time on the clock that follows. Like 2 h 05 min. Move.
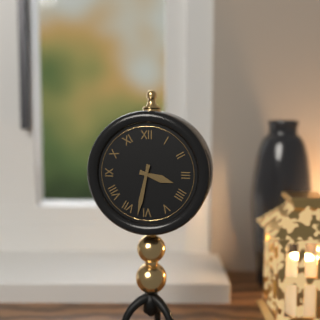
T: 3 h 32 min
